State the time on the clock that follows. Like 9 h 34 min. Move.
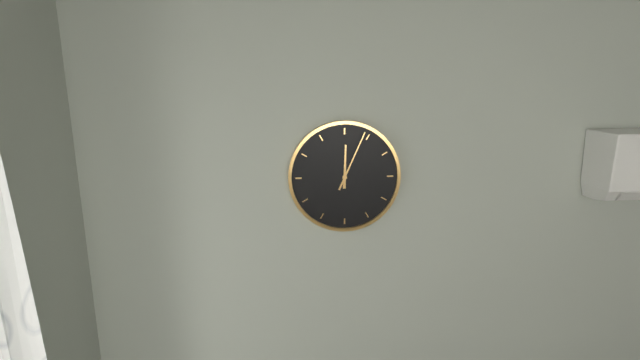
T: 12 h 04 min
